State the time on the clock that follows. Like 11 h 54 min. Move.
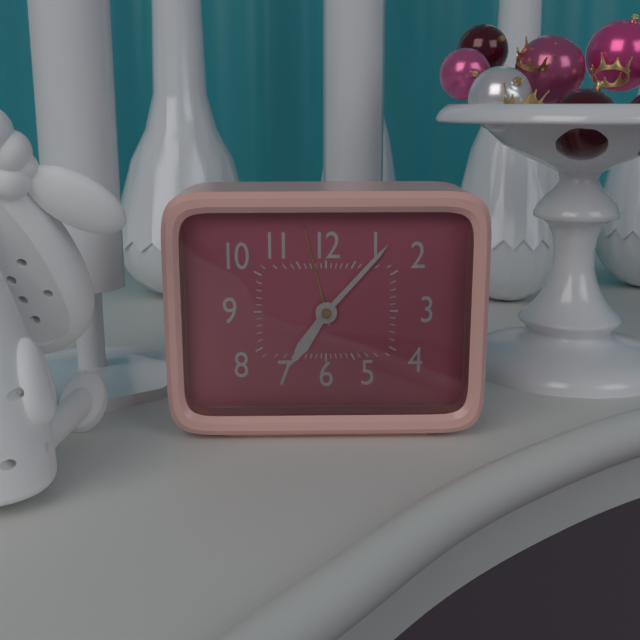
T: 7 h 07 min
